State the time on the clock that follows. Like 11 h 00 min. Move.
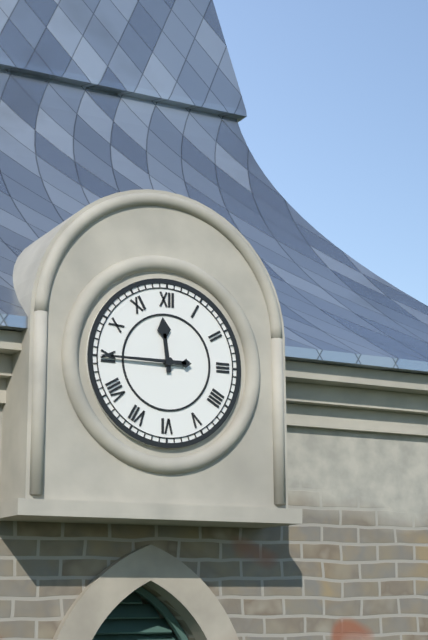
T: 11 h 45 min
